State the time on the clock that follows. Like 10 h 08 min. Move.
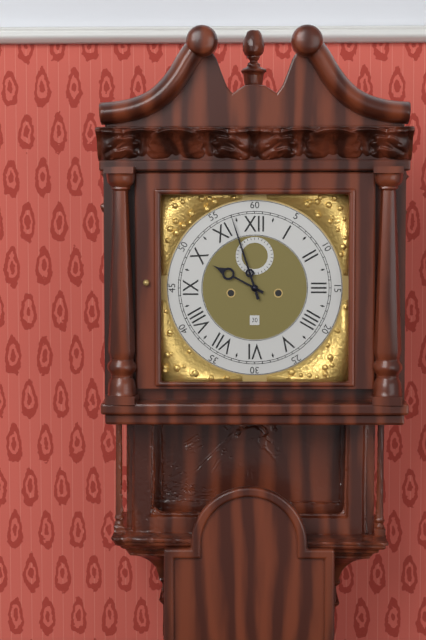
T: 9 h 57 min
